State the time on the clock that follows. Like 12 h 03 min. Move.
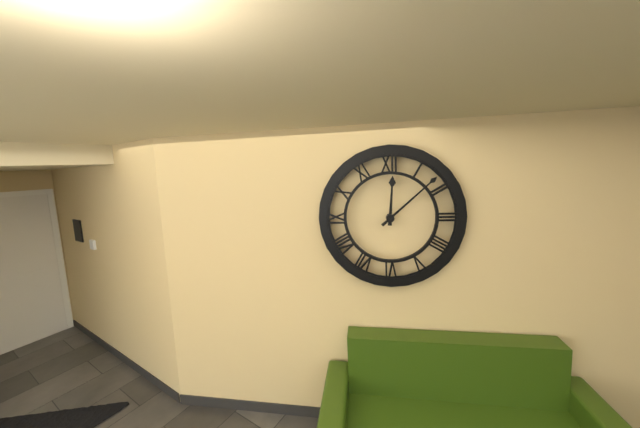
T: 12 h 08 min
